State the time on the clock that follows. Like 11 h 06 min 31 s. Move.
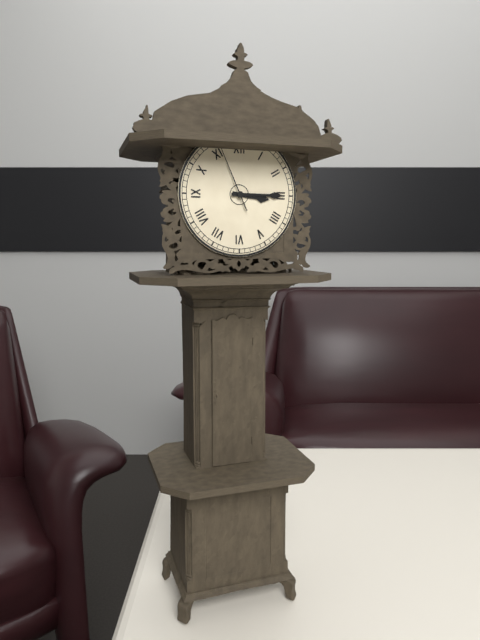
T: 3 h 15 min 56 s
